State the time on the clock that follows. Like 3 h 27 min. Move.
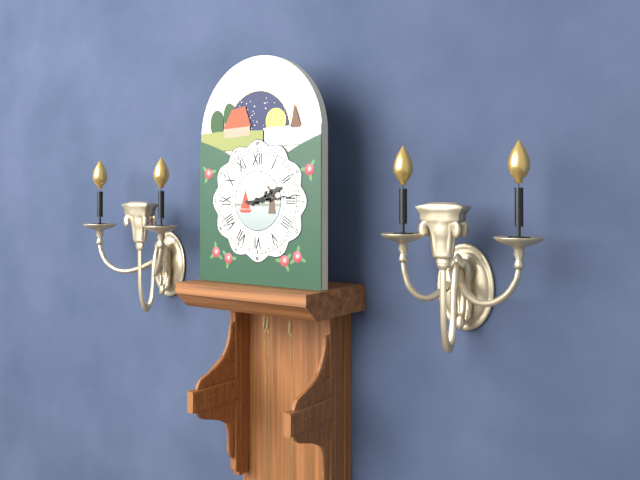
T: 2 h 14 min
